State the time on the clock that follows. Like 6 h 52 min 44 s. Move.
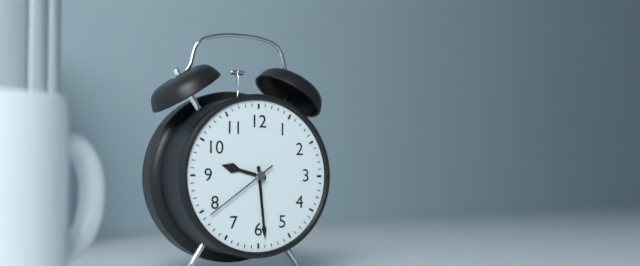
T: 9 h 29 min 39 s
